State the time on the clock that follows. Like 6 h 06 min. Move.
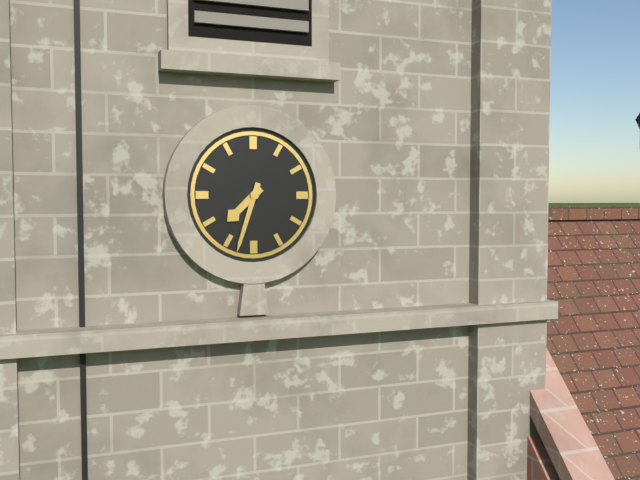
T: 7 h 33 min
